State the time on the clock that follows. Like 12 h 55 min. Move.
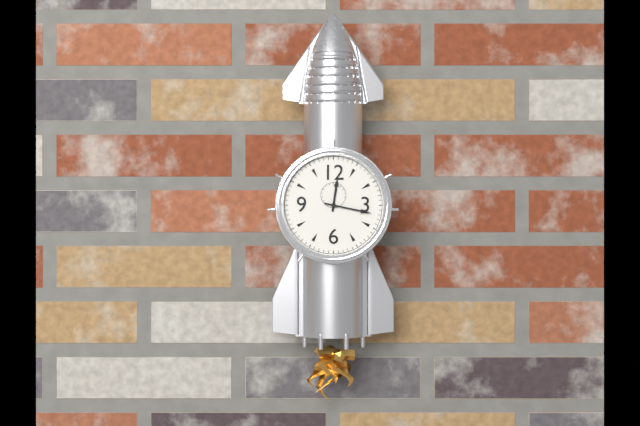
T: 12 h 17 min
